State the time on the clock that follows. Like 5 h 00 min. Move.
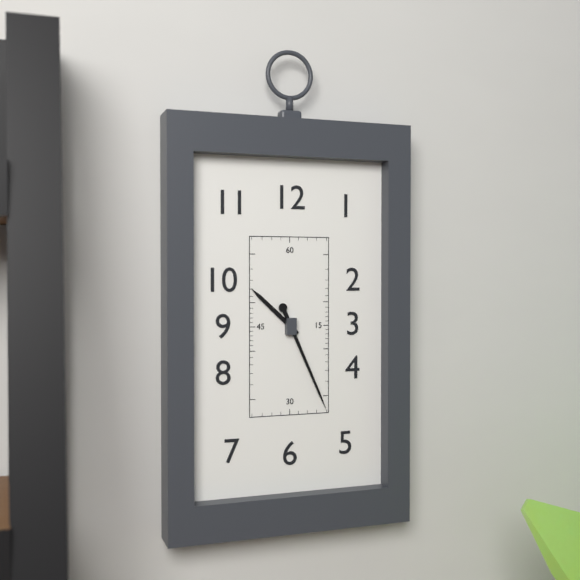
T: 10 h 26 min
